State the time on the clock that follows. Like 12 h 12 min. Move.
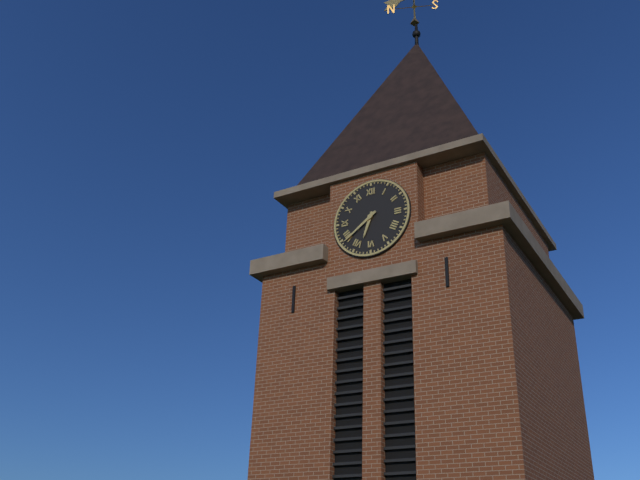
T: 6 h 39 min
